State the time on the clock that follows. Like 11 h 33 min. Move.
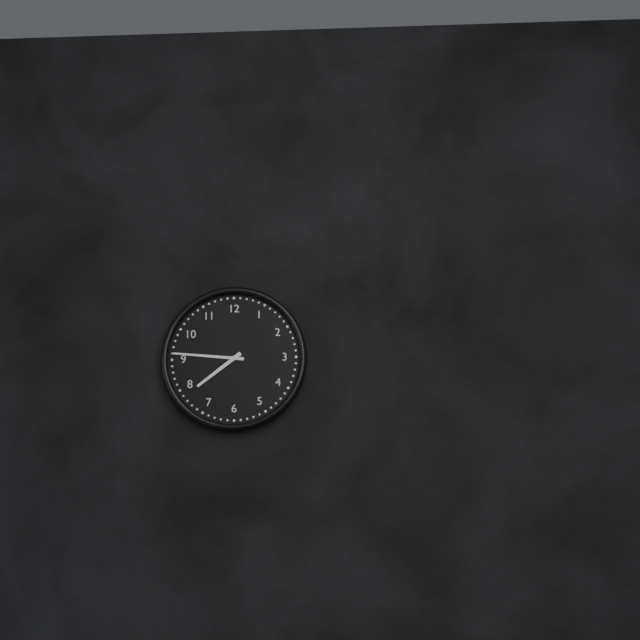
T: 7 h 46 min
